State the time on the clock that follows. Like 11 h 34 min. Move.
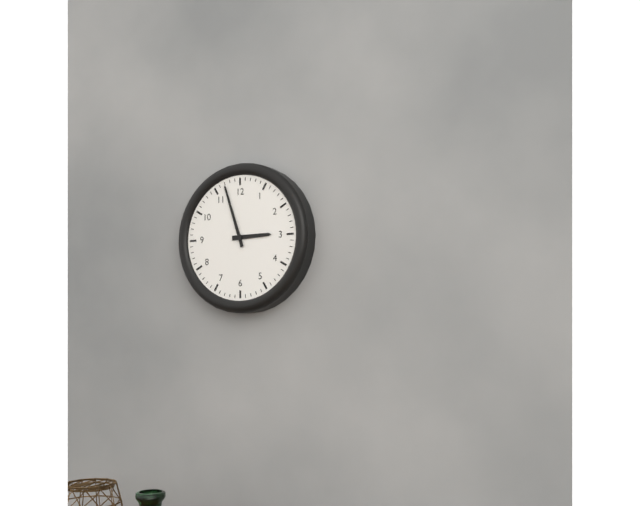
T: 2 h 57 min
